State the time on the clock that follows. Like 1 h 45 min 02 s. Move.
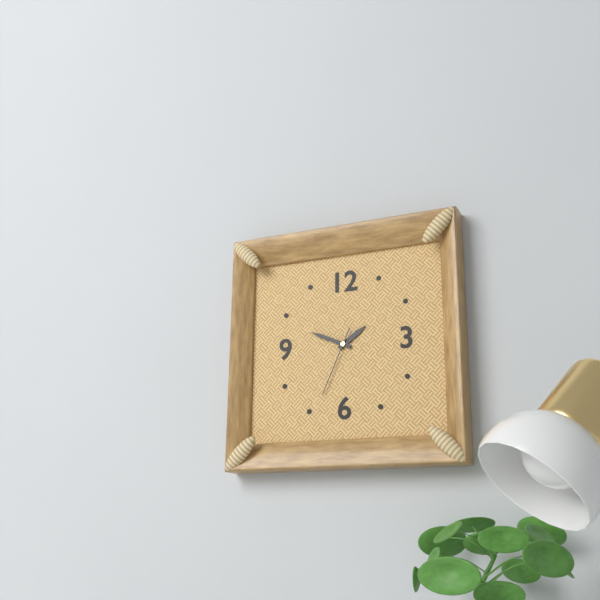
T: 1 h 49 min 34 s
